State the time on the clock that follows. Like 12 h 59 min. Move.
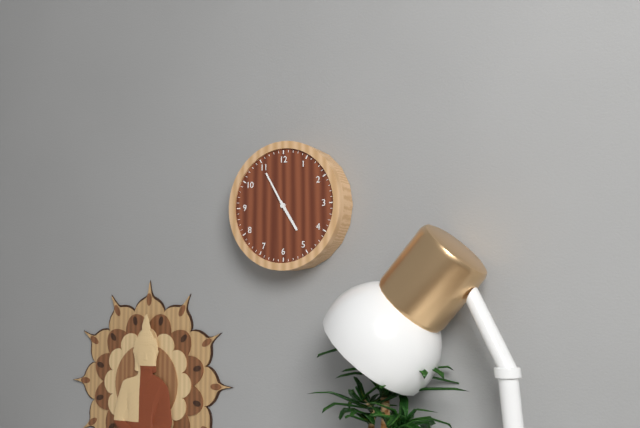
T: 4 h 55 min
